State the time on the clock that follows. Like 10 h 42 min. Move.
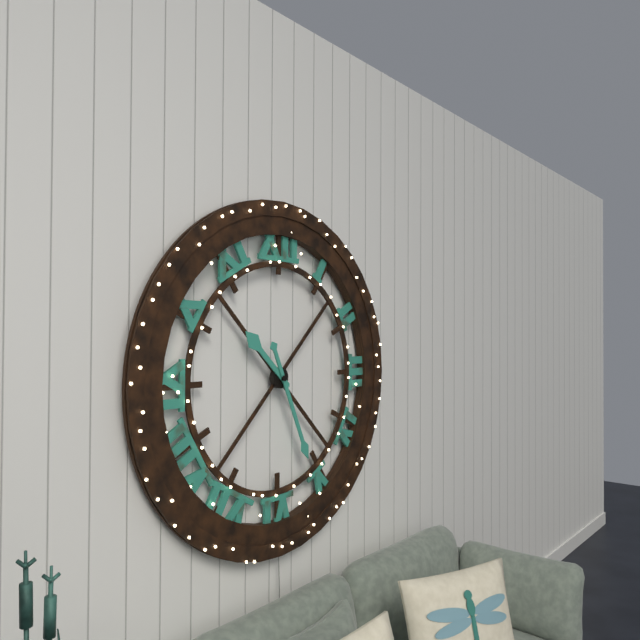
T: 10 h 26 min
